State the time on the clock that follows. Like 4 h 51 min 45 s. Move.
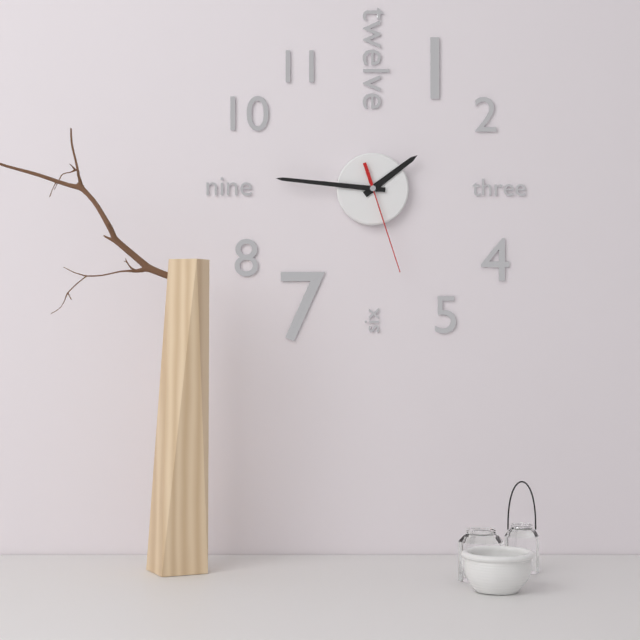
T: 1 h 46 min 27 s
